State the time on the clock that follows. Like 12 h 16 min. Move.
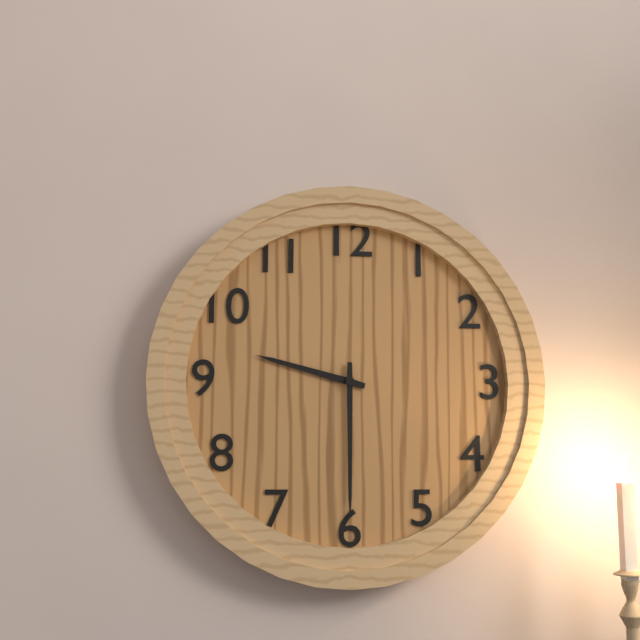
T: 9 h 30 min
